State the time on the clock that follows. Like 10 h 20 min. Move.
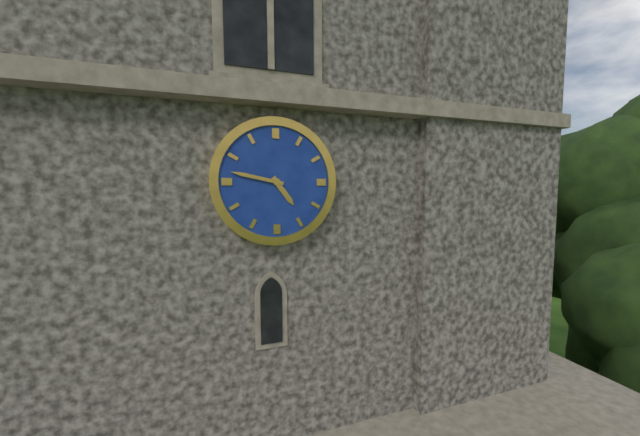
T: 4 h 47 min
